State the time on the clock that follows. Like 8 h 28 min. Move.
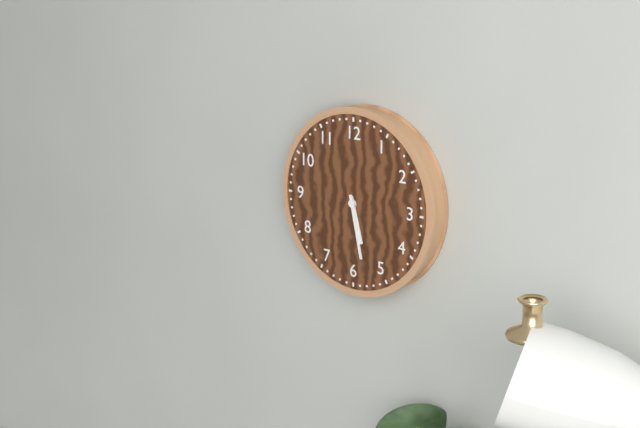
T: 5 h 28 min
